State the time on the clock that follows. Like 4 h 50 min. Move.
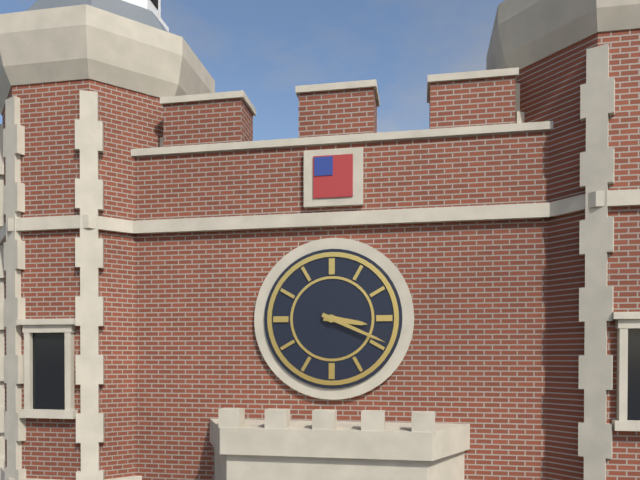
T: 3 h 19 min
